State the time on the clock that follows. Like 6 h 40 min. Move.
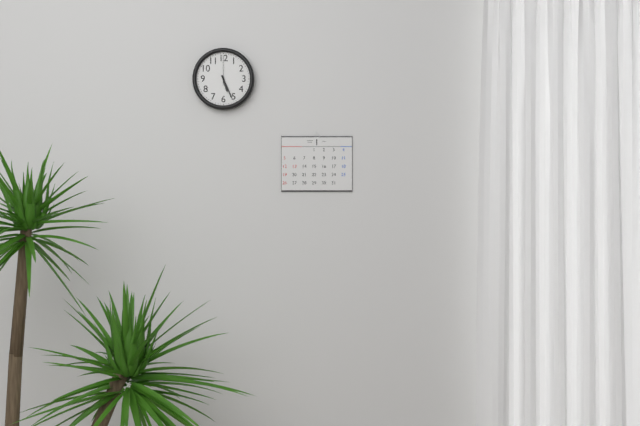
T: 5 h 26 min
